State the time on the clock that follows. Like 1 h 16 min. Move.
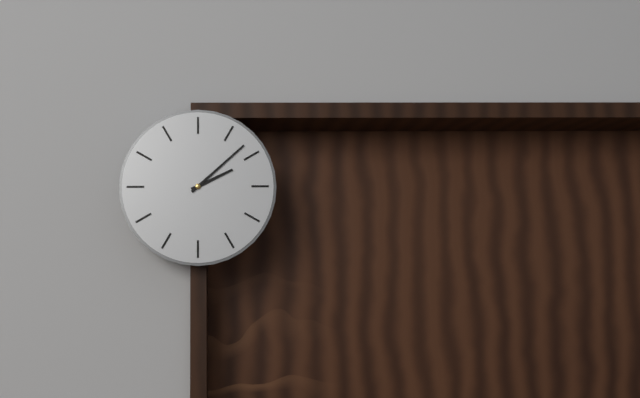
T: 2 h 08 min
